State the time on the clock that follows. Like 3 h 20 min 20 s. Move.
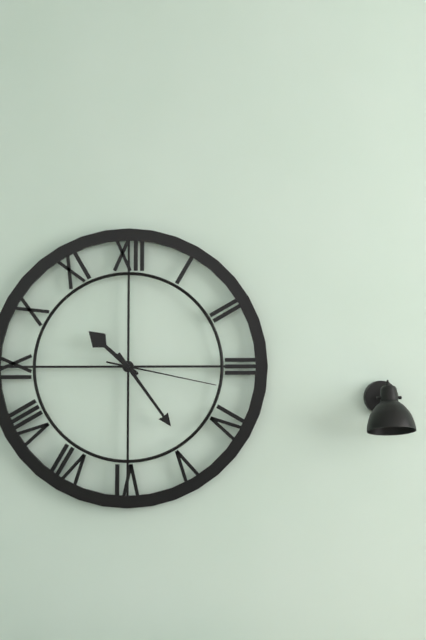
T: 10 h 24 min 17 s
